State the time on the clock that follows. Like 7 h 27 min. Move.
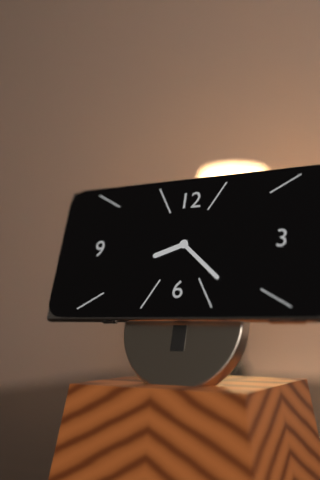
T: 8 h 22 min
